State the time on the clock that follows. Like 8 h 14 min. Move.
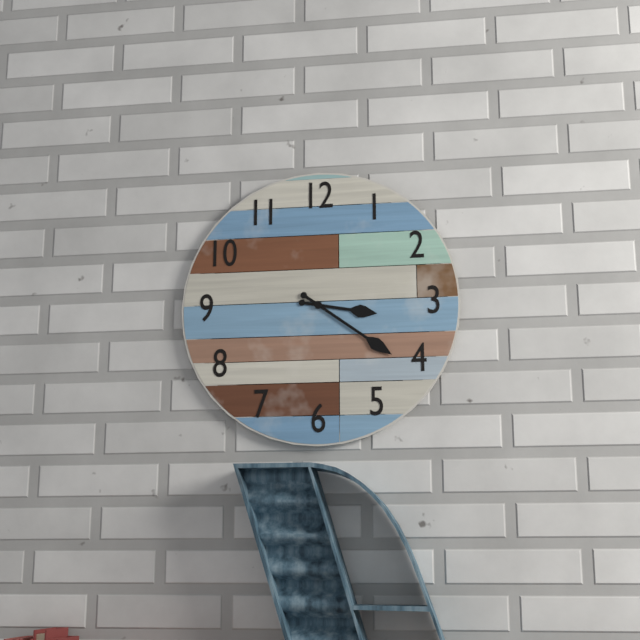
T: 3 h 21 min
